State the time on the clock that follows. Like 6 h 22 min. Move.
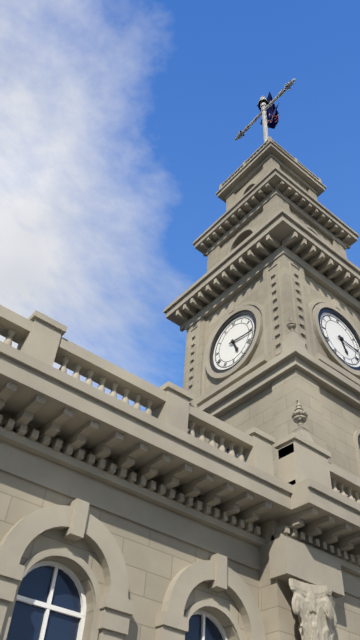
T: 5 h 16 min
